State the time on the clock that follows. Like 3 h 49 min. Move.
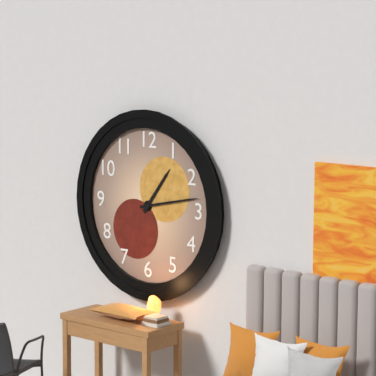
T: 1 h 13 min
